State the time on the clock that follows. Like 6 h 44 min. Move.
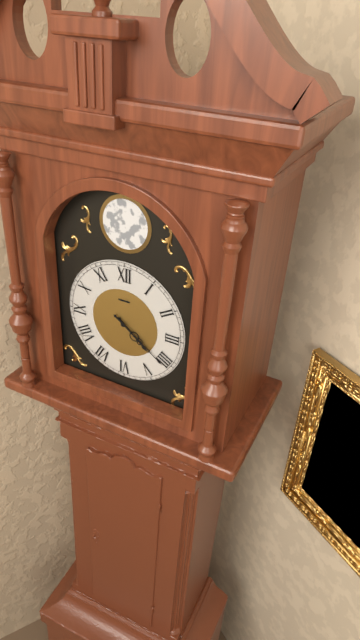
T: 4 h 21 min
